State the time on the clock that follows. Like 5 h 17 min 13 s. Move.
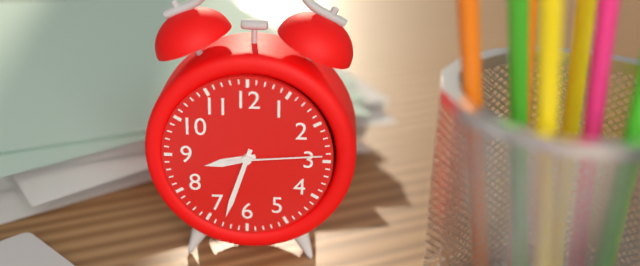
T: 8 h 33 min 14 s
